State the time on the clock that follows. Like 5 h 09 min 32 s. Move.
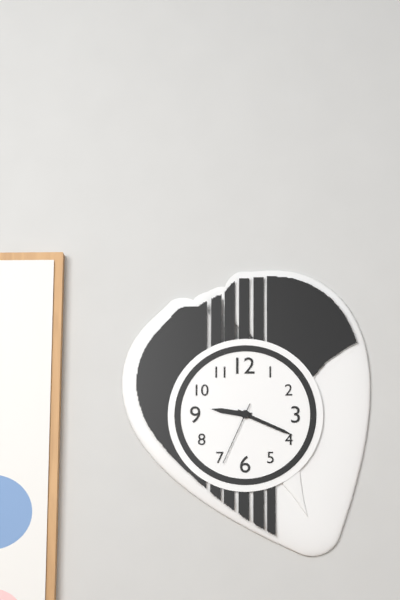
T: 9 h 19 min 34 s
